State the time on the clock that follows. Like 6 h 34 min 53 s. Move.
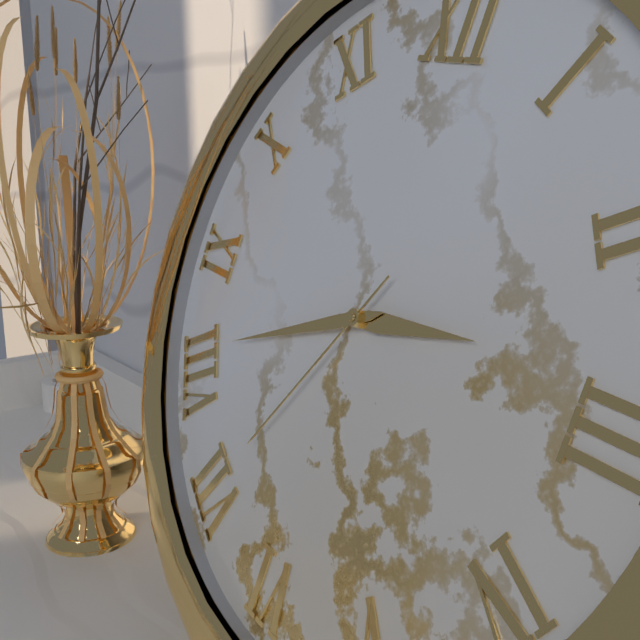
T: 2 h 41 min 35 s
